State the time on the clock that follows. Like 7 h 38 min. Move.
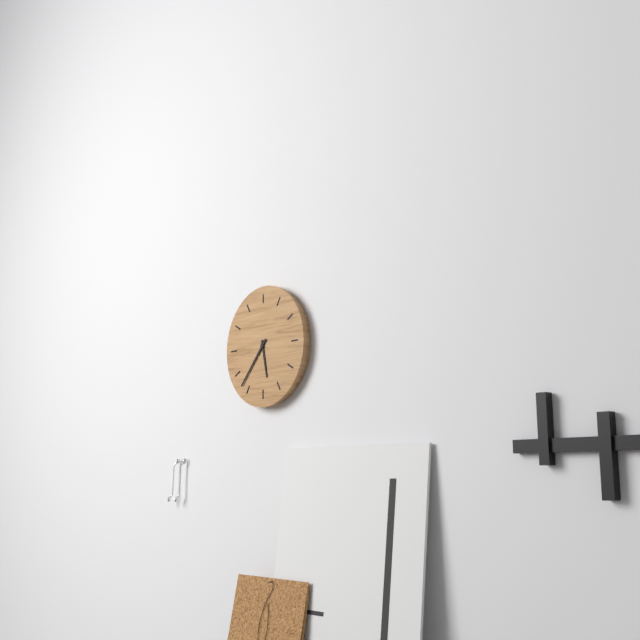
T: 5 h 37 min
